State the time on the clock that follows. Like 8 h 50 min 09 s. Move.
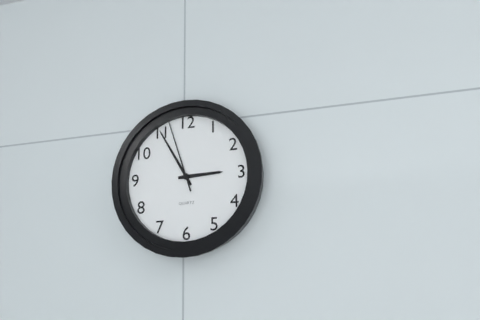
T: 2 h 55 min 57 s
